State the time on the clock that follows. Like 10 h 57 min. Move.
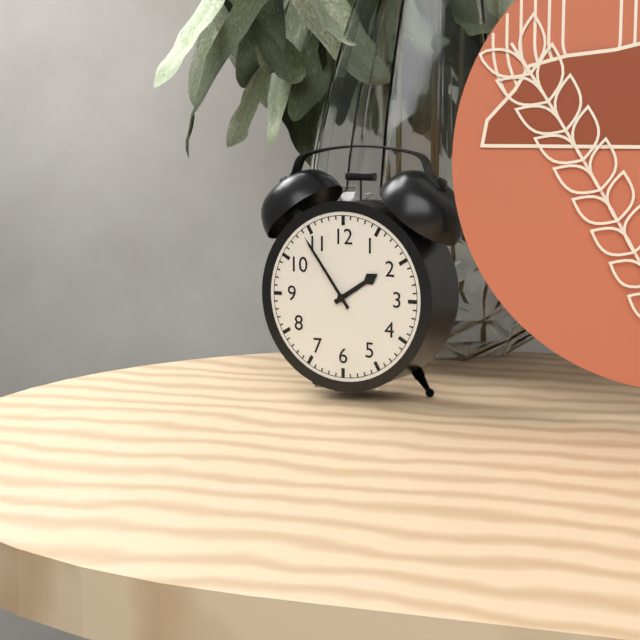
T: 1 h 54 min
